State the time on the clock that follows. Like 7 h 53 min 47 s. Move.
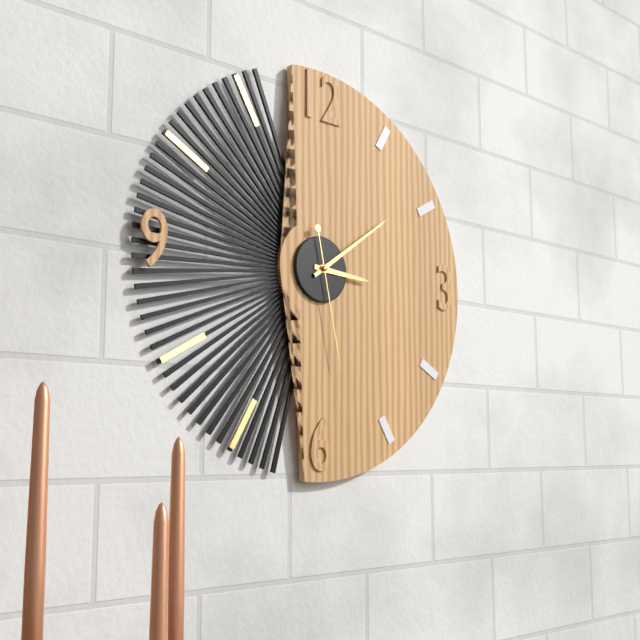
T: 3 h 09 min 28 s
